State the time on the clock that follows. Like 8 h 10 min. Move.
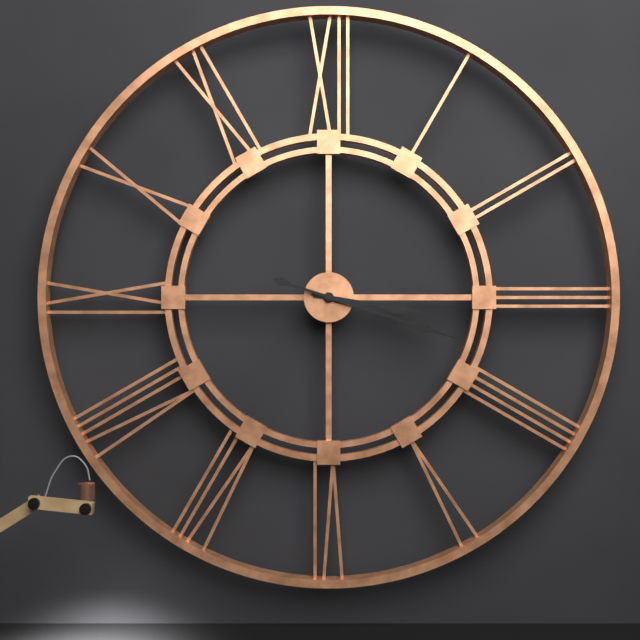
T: 3 h 18 min
